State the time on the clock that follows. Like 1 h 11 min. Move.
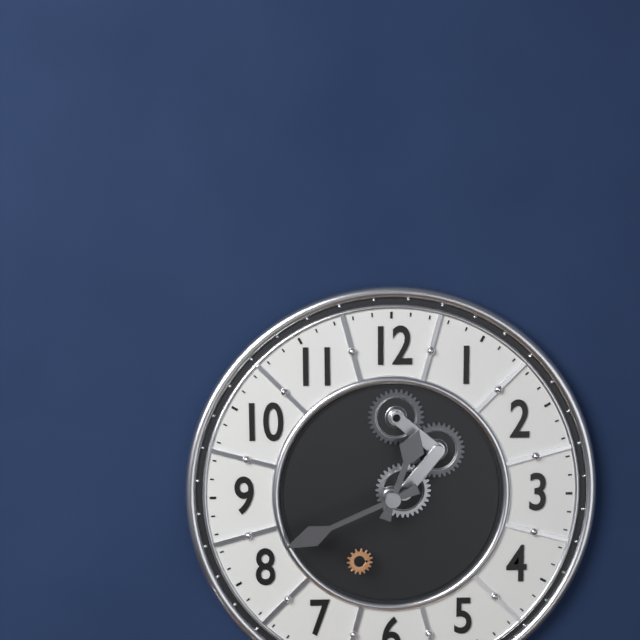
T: 12 h 41 min
